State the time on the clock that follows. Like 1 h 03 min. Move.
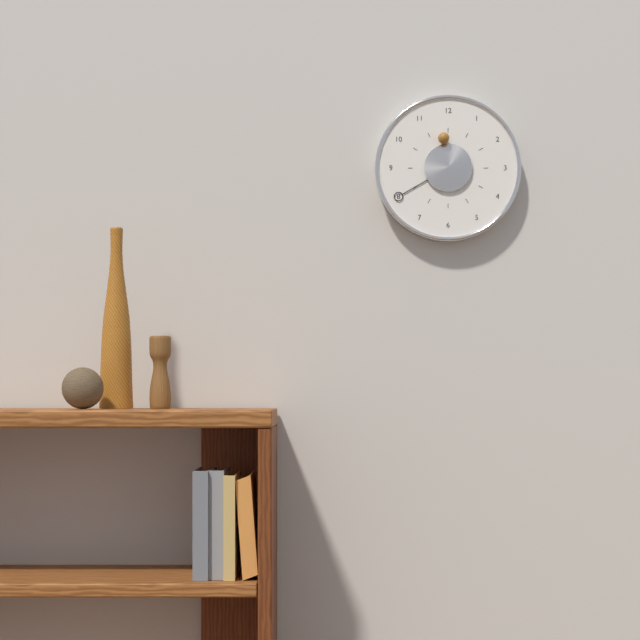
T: 11 h 40 min
